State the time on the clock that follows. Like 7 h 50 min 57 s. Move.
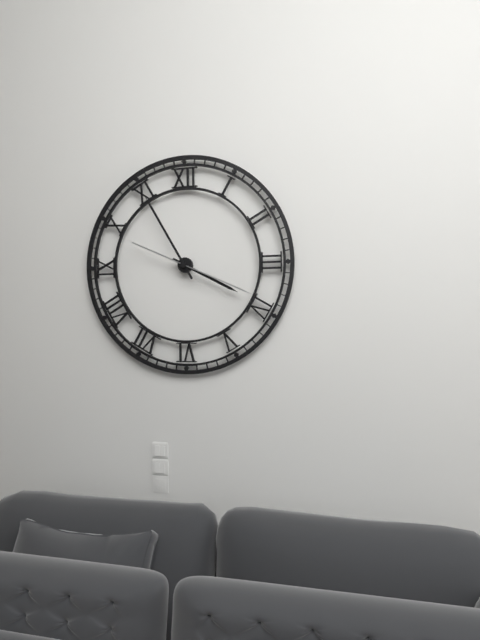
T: 3 h 55 min 19 s
